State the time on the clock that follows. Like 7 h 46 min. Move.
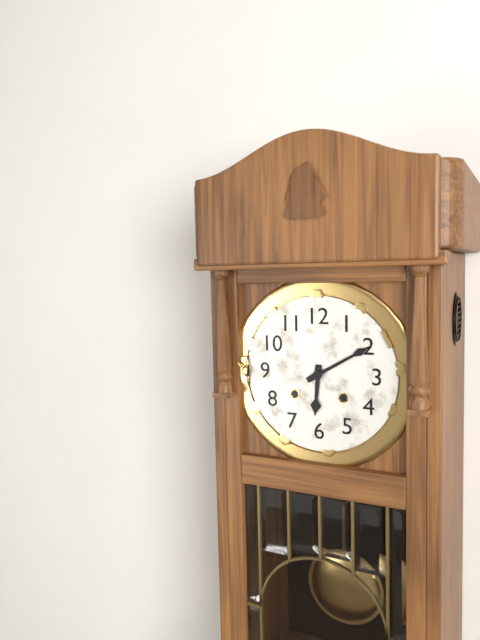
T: 6 h 10 min
